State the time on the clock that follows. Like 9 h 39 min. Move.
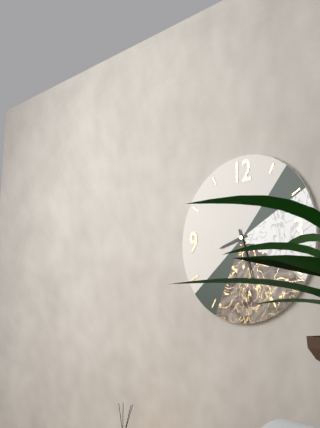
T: 8 h 27 min
